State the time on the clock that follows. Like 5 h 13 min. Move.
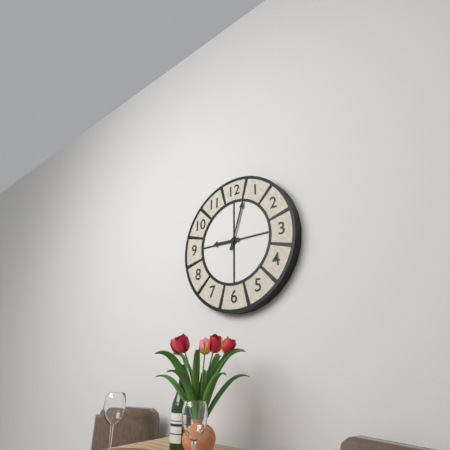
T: 9 h 03 min
